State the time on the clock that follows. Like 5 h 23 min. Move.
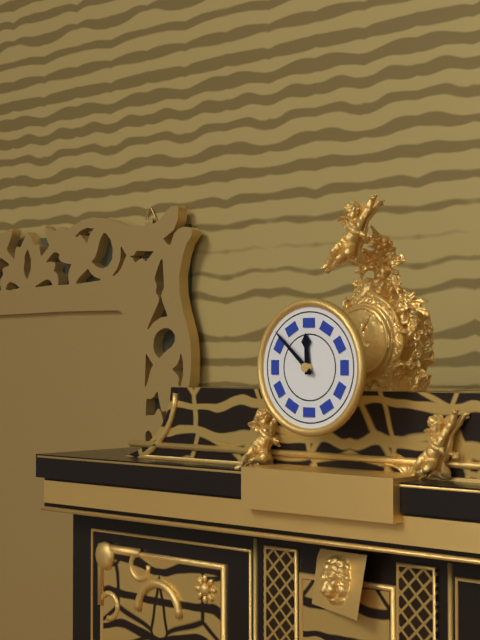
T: 11 h 52 min
